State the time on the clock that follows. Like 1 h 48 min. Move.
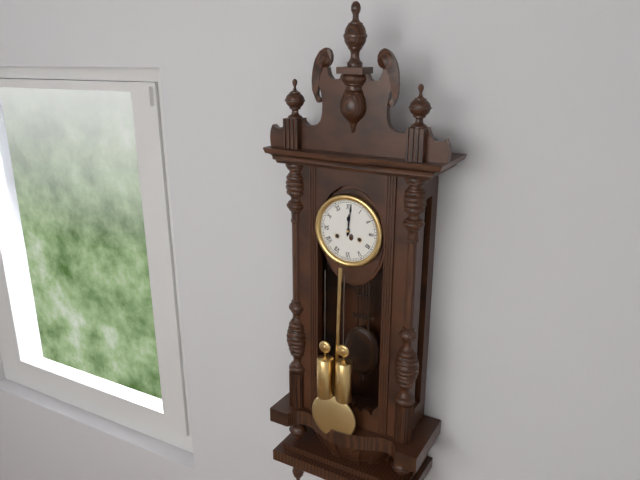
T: 12 h 01 min
